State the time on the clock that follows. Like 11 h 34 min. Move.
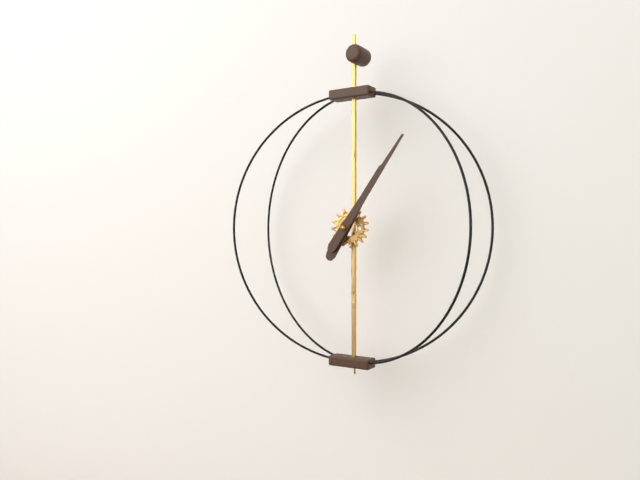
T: 1 h 06 min
